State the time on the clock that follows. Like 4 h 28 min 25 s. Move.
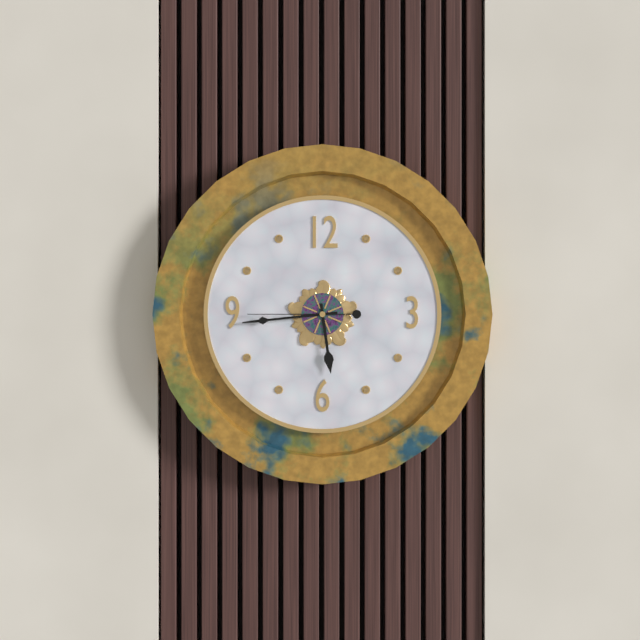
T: 5 h 44 min 45 s
